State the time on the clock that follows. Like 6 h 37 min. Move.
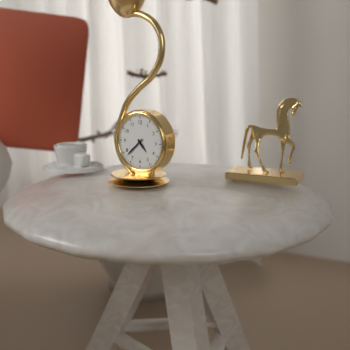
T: 4 h 38 min
